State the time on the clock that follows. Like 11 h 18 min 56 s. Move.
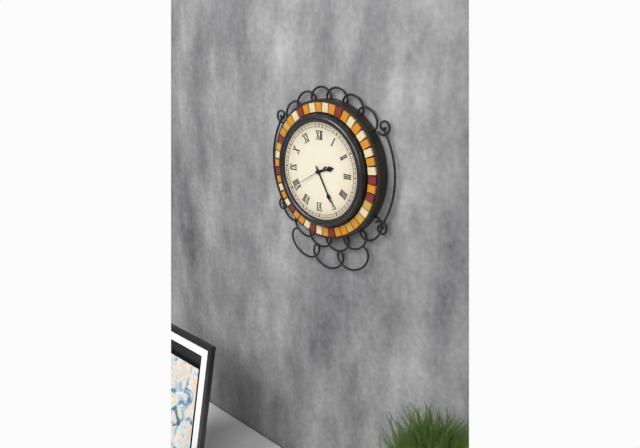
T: 2 h 25 min 40 s
